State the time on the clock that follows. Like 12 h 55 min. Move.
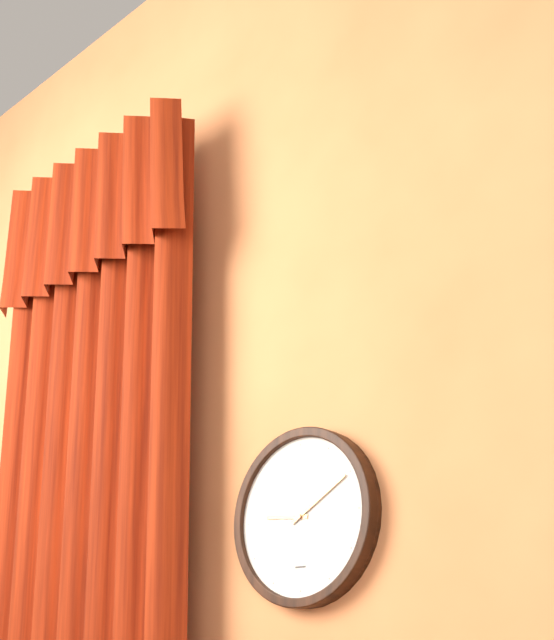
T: 9 h 10 min
